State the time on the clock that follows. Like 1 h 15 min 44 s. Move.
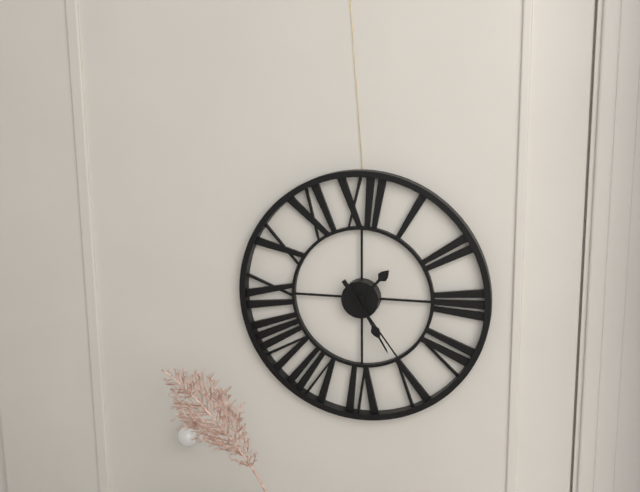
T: 1 h 25 min 24 s
